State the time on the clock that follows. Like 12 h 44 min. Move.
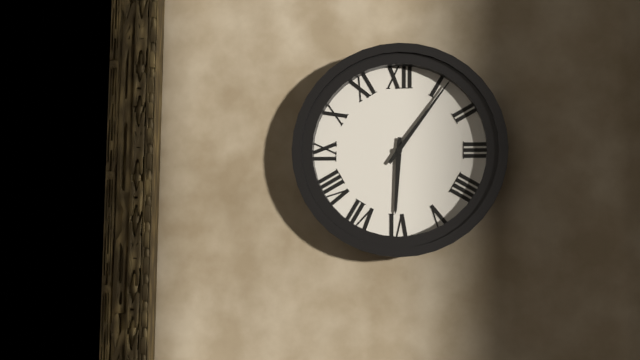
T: 6 h 06 min
